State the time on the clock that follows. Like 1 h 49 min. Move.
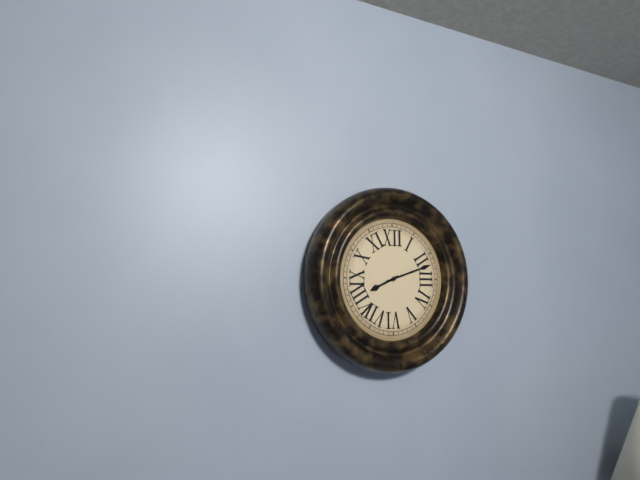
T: 8 h 12 min
